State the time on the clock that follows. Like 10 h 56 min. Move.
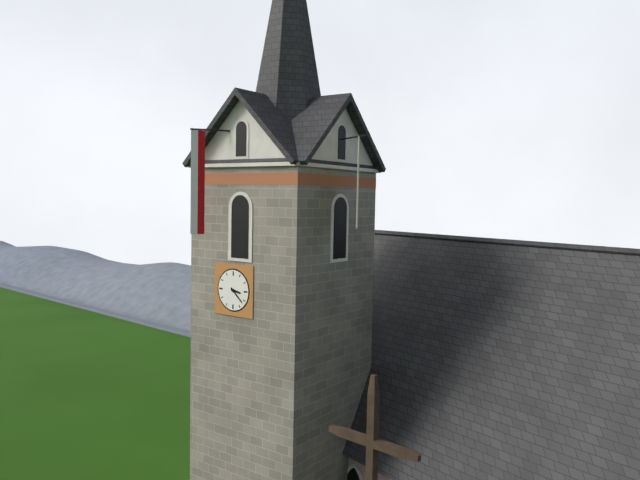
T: 3 h 22 min
